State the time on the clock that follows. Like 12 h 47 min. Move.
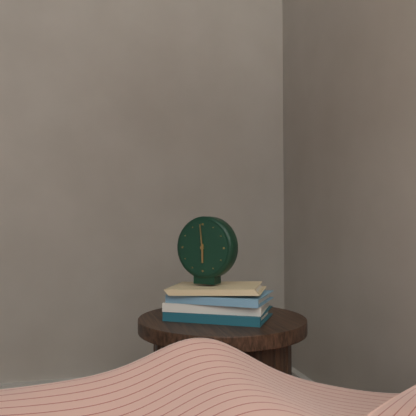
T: 5 h 59 min
